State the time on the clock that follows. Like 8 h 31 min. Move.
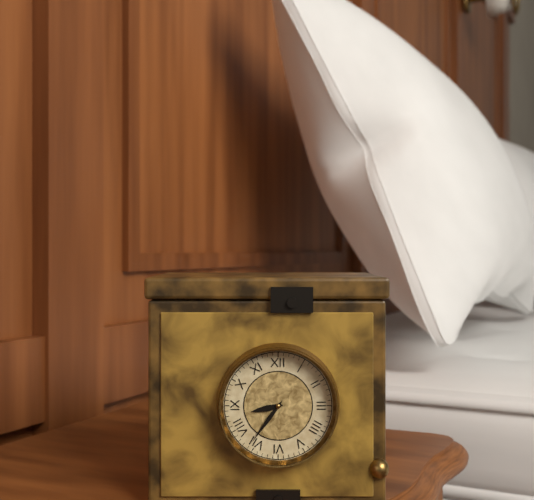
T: 8 h 36 min
